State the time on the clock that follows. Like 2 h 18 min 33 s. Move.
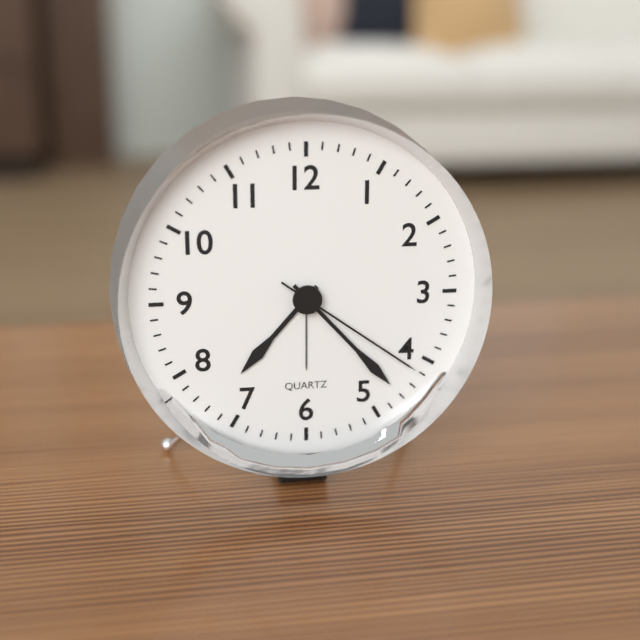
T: 7 h 23 min 21 s
